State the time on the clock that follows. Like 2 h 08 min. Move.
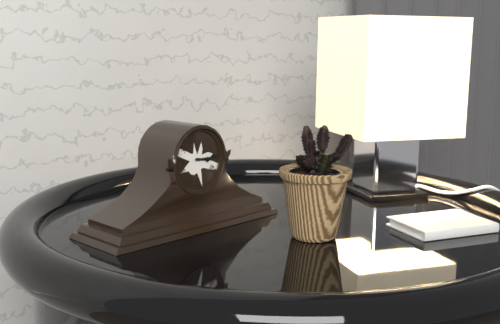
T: 3 h 15 min
